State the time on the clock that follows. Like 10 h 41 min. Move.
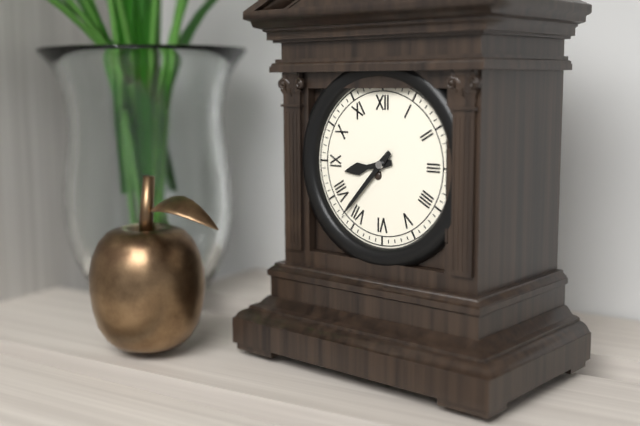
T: 8 h 37 min
